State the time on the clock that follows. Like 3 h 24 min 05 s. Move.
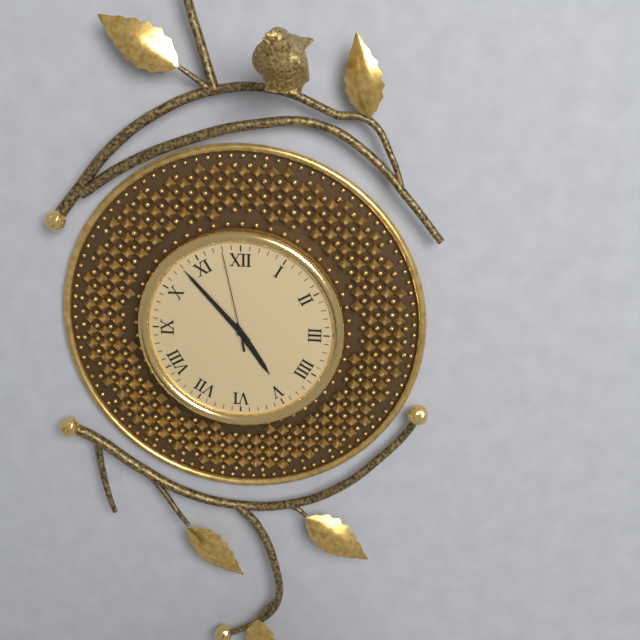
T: 4 h 53 min 58 s
